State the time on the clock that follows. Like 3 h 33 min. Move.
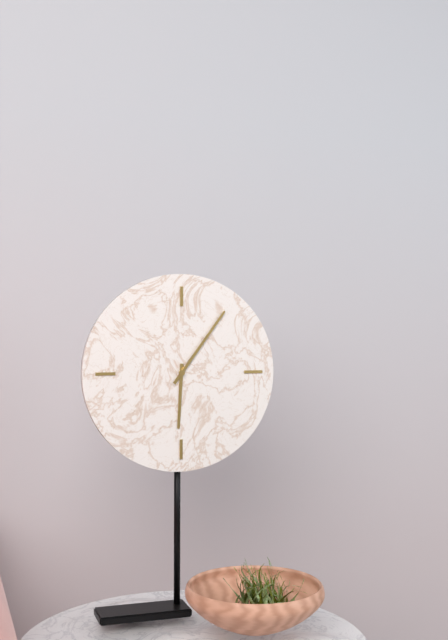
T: 6 h 06 min
